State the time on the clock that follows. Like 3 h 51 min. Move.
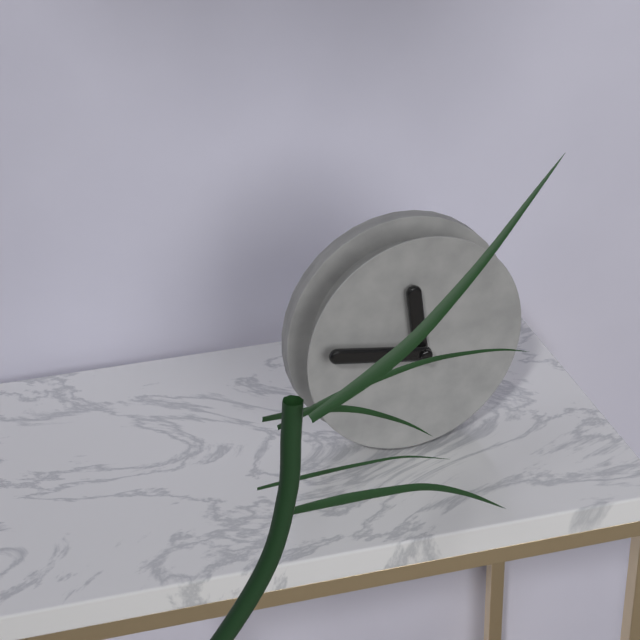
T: 11 h 47 min
